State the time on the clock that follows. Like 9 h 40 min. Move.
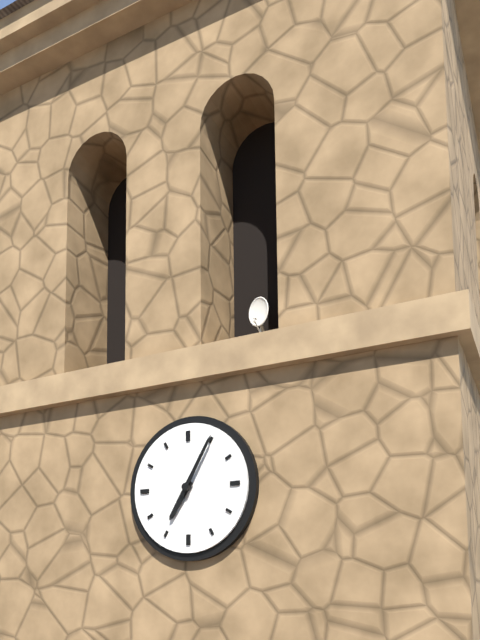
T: 7 h 05 min
